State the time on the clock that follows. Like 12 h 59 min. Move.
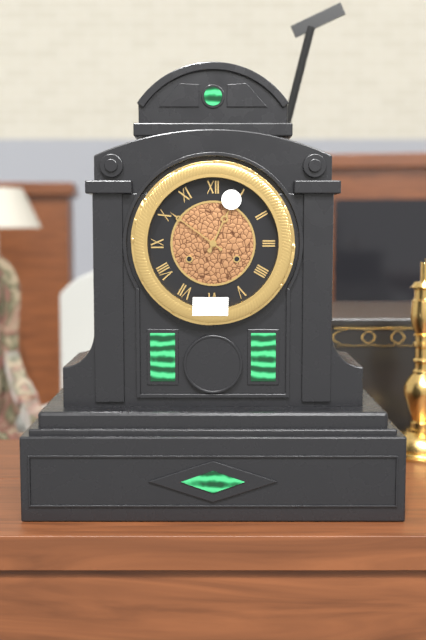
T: 12 h 51 min
